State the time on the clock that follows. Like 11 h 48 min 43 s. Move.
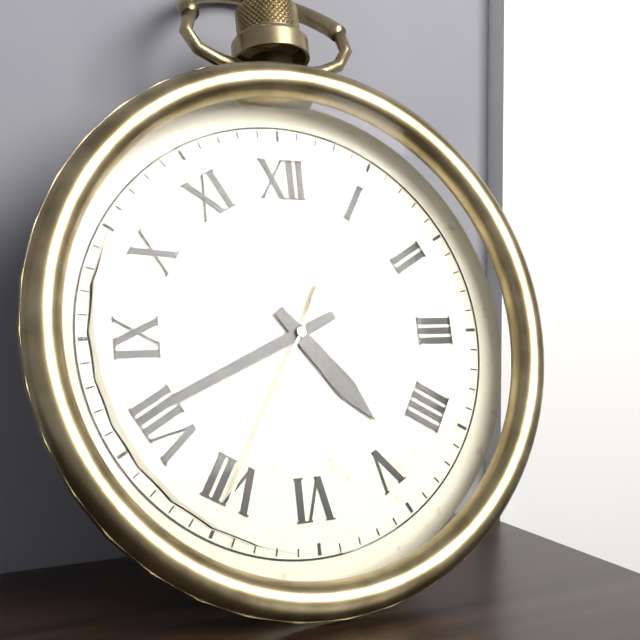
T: 4 h 41 min 35 s
